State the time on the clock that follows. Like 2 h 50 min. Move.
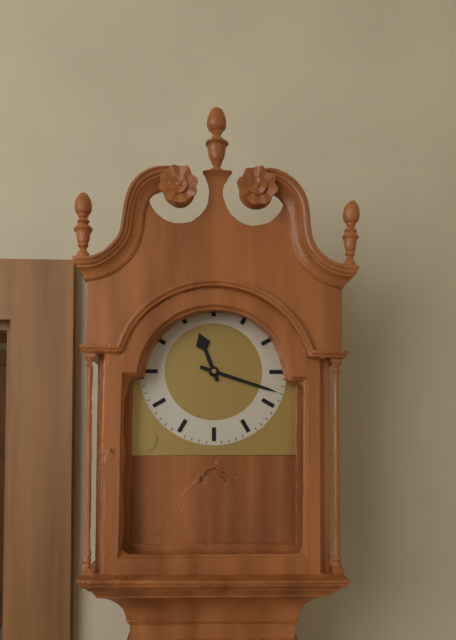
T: 11 h 18 min
